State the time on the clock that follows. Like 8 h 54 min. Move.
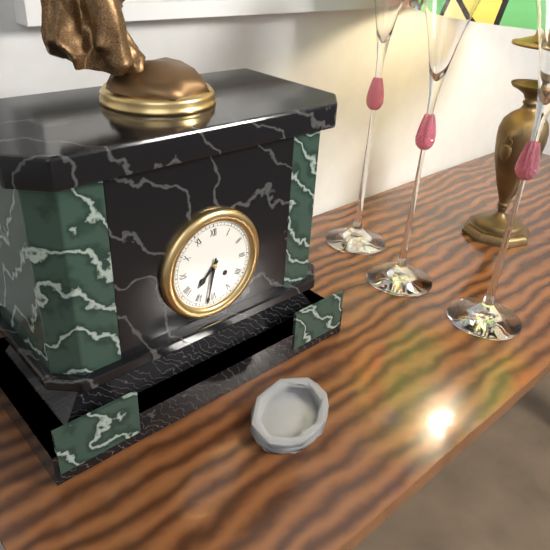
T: 7 h 32 min
